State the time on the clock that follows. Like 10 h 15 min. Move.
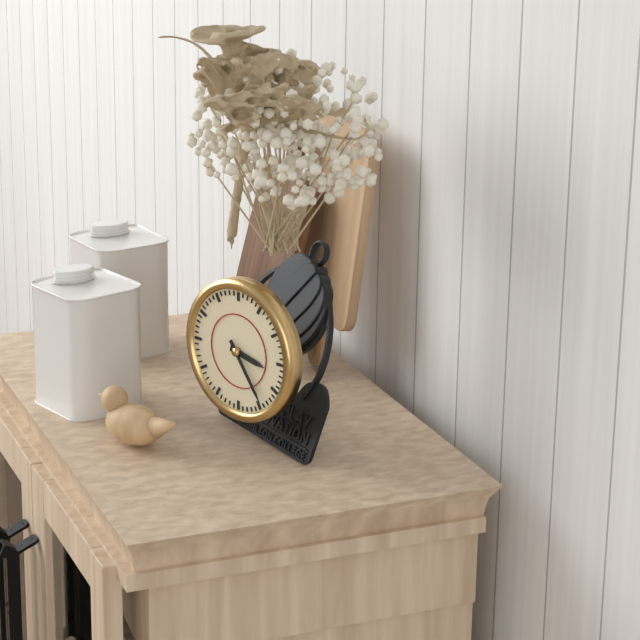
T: 3 h 24 min
